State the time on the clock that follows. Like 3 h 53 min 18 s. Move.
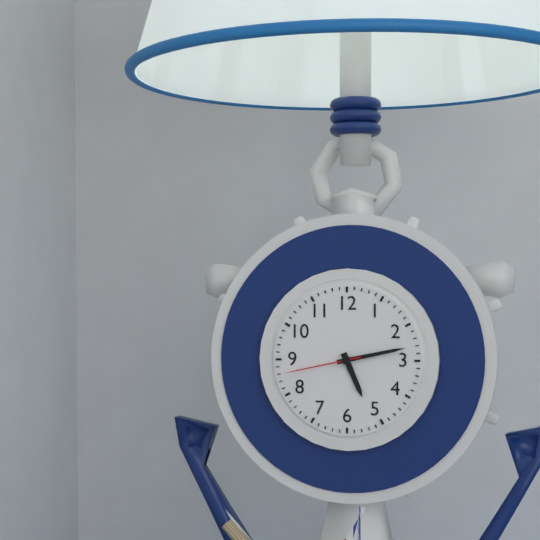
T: 5 h 13 min 43 s
